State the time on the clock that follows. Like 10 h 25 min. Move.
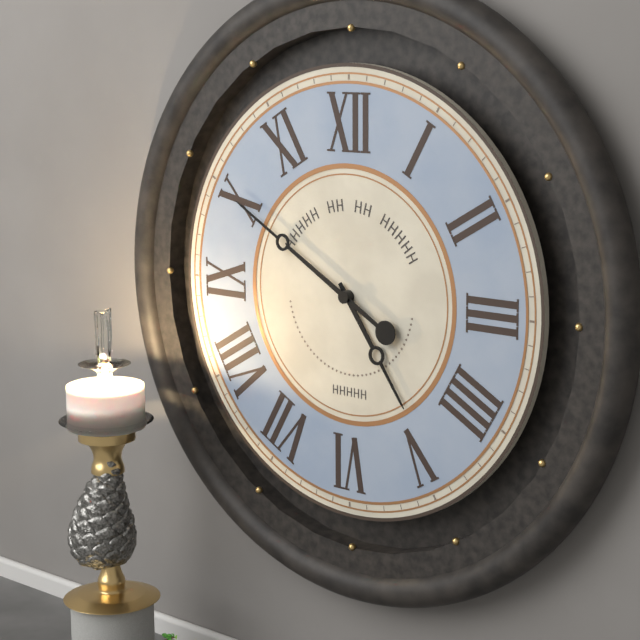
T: 4 h 50 min
